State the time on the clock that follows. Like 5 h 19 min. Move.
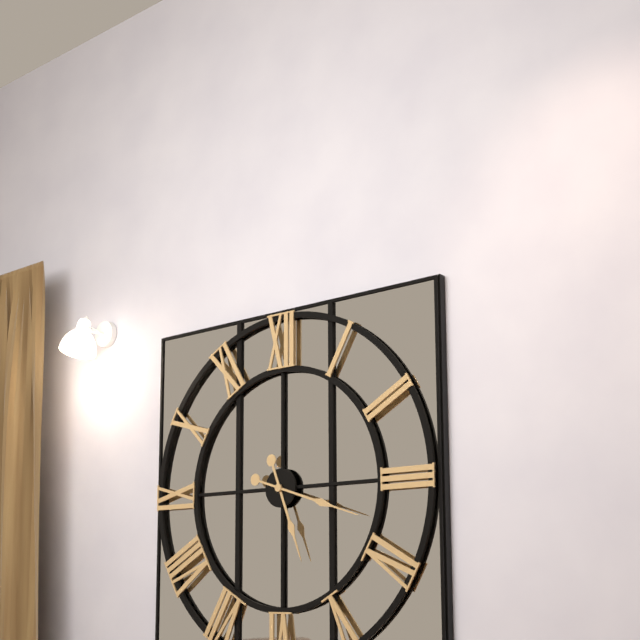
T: 5 h 18 min
